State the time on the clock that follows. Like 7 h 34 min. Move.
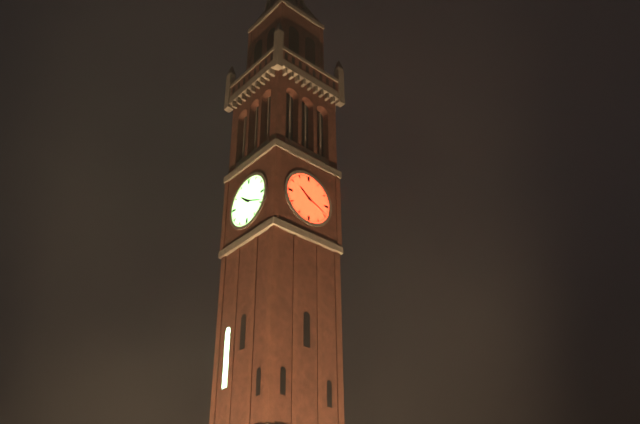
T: 10 h 19 min
